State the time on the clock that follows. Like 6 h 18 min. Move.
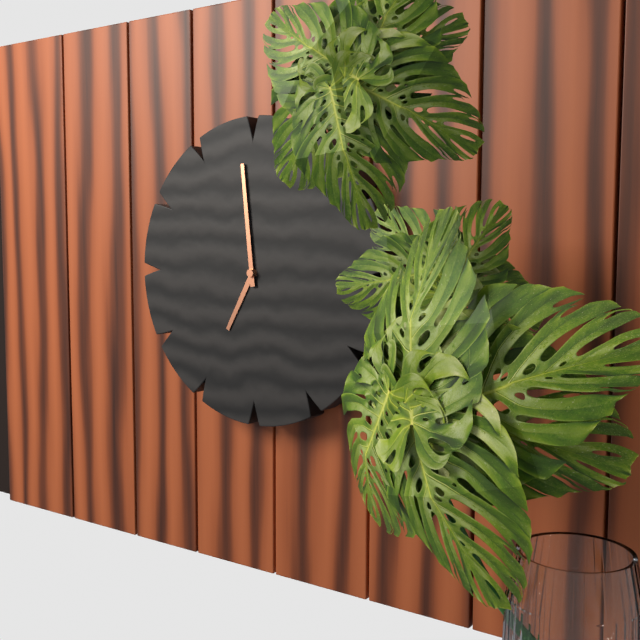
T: 6 h 59 min
